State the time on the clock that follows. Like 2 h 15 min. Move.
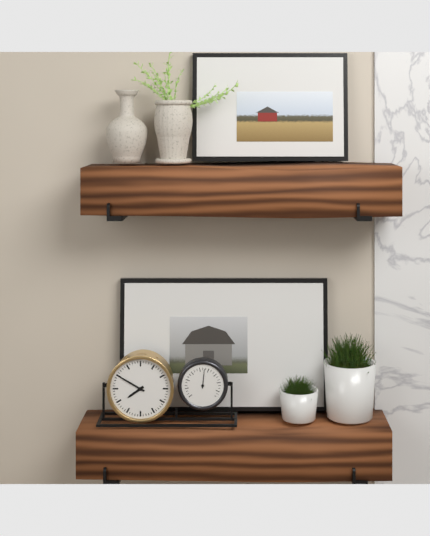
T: 7 h 50 min
